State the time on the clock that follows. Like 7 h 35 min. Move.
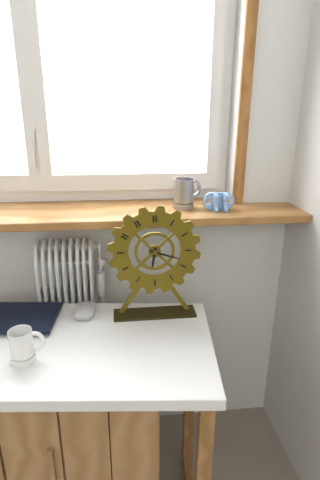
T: 6 h 18 min
